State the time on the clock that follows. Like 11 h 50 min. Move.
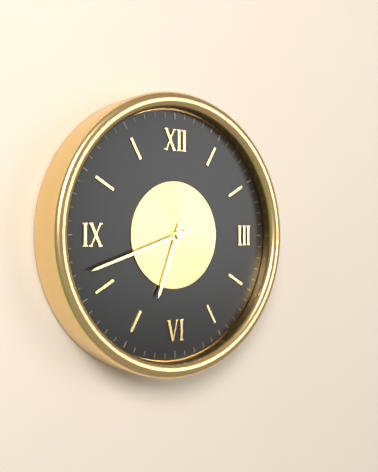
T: 6 h 42 min
